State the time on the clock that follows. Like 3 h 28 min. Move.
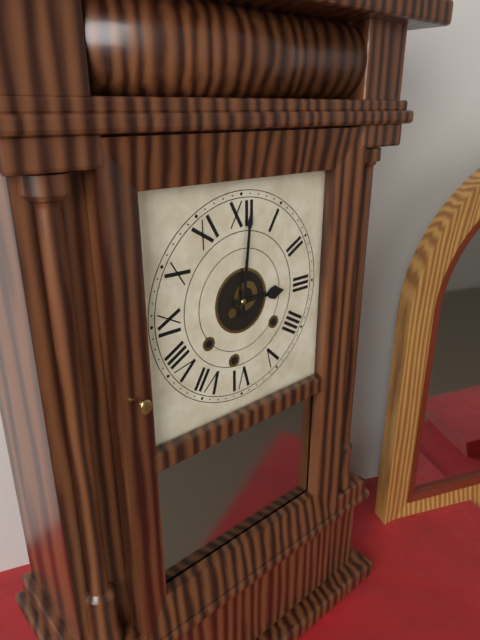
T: 3 h 01 min
